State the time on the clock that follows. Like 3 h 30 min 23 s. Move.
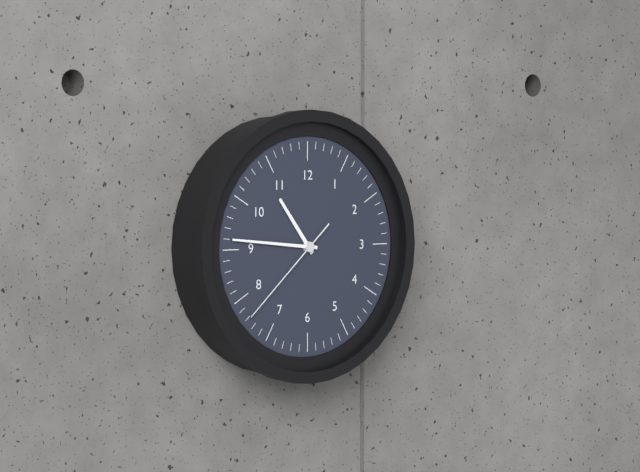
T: 10 h 46 min 38 s
